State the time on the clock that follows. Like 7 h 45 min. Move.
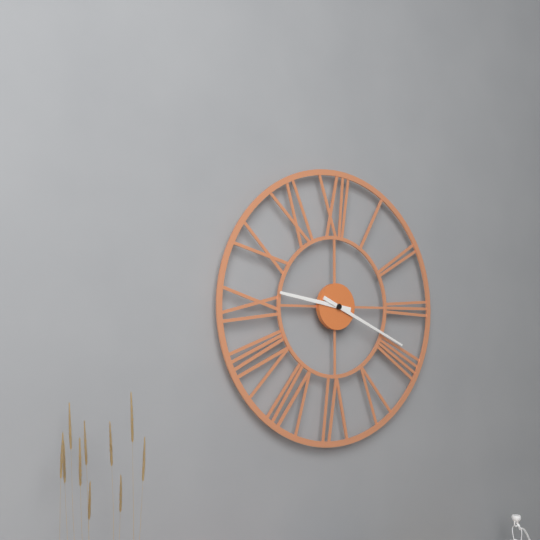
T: 9 h 19 min
